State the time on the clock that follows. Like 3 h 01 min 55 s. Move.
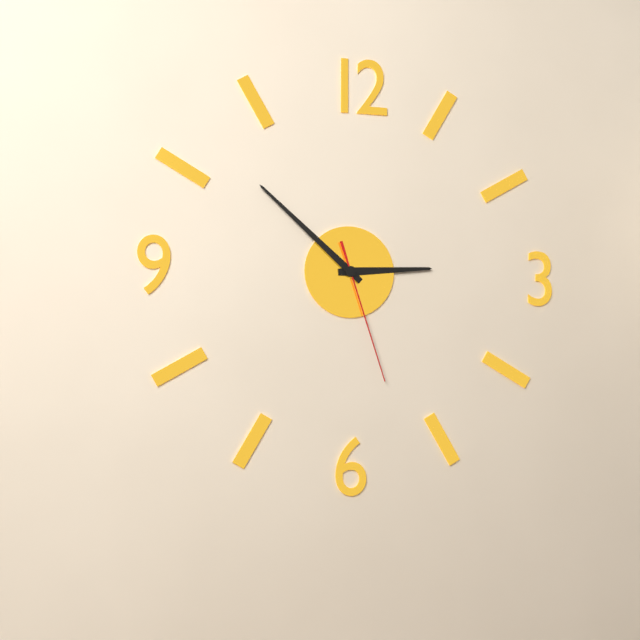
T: 2 h 52 min 27 s
